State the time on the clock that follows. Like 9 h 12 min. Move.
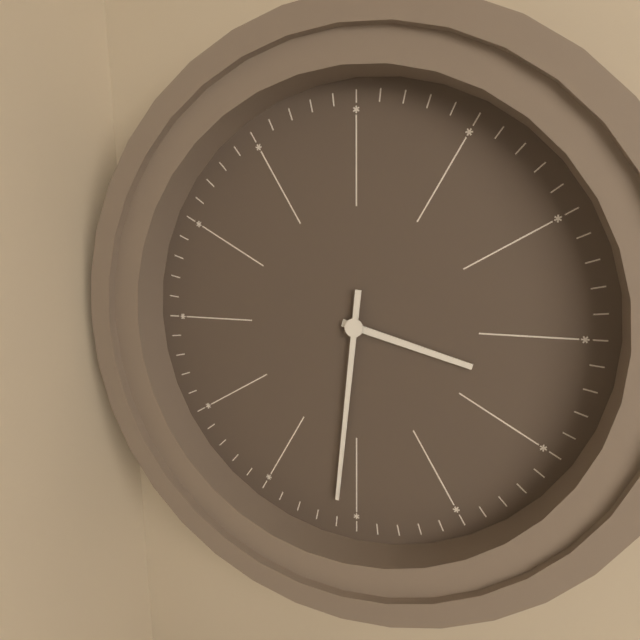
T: 3 h 31 min
